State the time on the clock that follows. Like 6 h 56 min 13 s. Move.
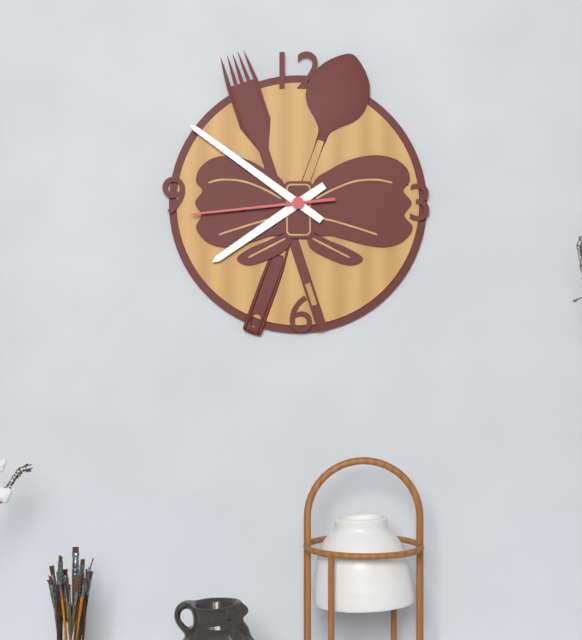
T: 7 h 51 min 44 s
